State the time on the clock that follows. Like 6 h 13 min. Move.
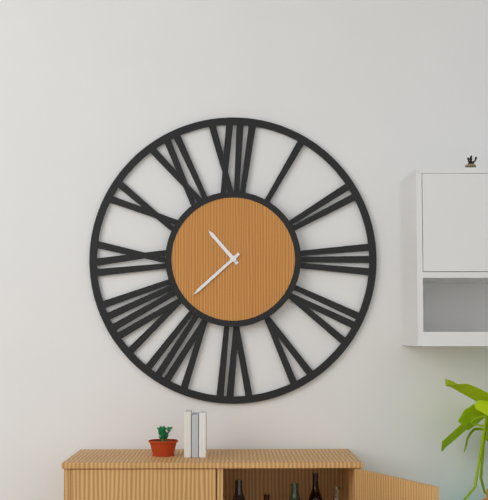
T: 10 h 38 min
